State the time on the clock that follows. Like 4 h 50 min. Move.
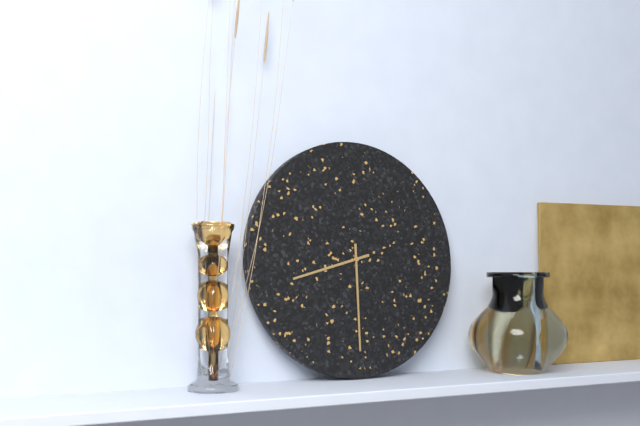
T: 8 h 30 min
